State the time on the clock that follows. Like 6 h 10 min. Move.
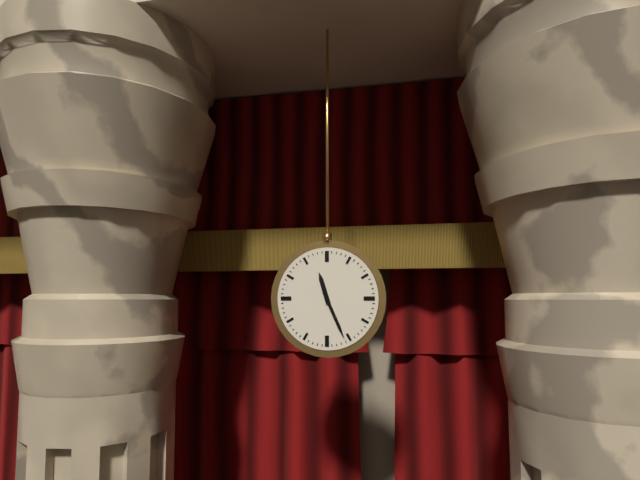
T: 11 h 26 min
